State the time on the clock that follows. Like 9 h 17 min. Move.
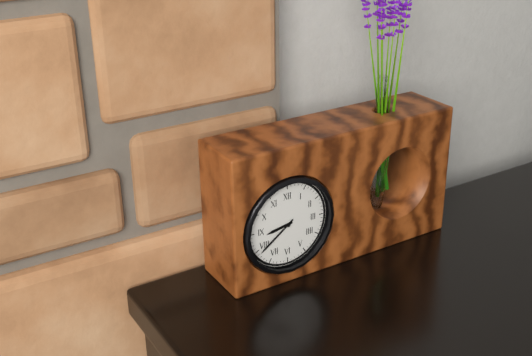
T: 8 h 39 min
